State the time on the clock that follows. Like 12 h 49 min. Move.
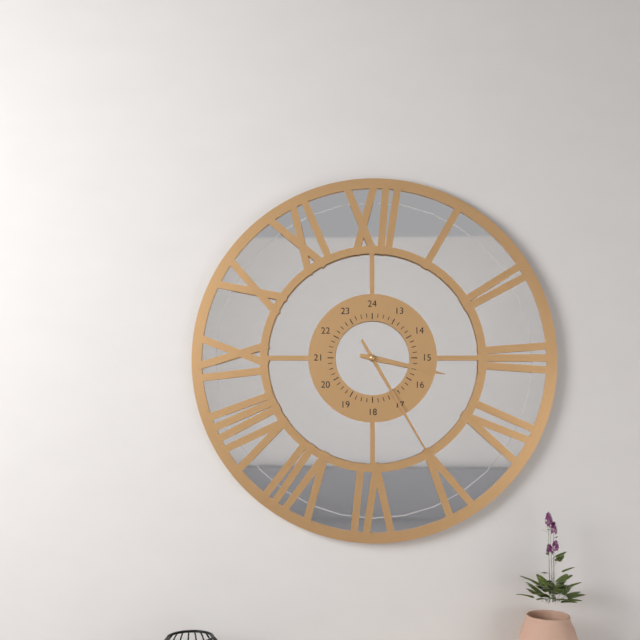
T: 3 h 25 min
